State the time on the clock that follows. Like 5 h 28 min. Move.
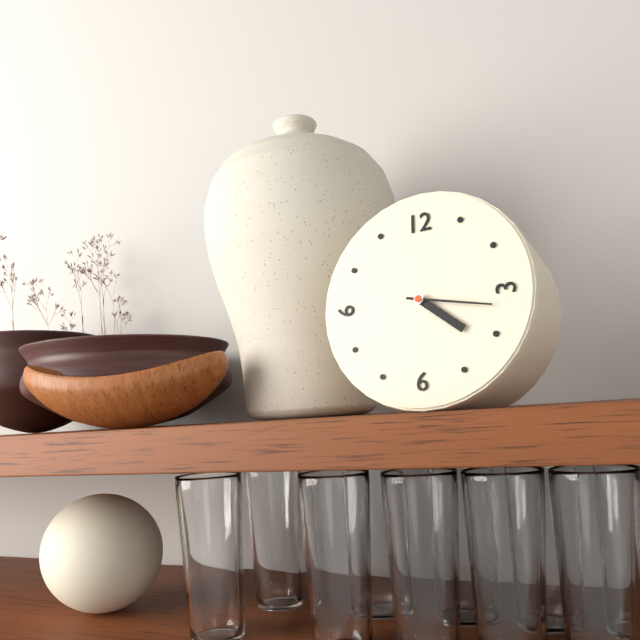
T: 4 h 17 min
